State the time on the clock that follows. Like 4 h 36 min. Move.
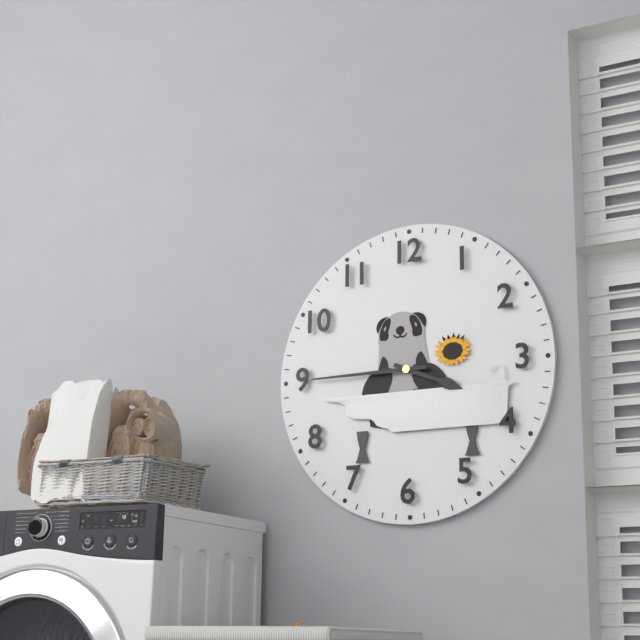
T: 3 h 45 min
